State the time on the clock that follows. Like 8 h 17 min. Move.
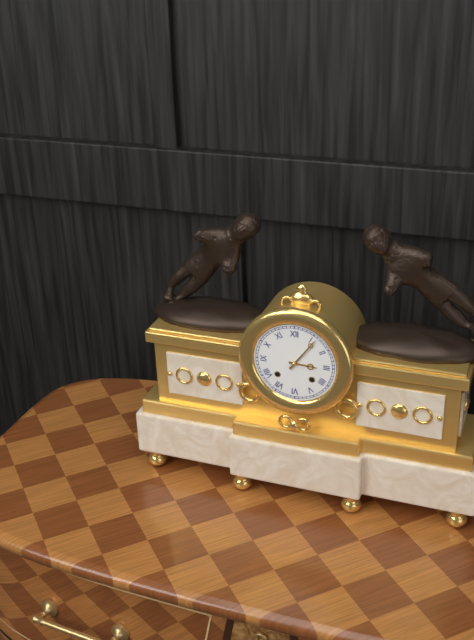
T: 3 h 06 min
